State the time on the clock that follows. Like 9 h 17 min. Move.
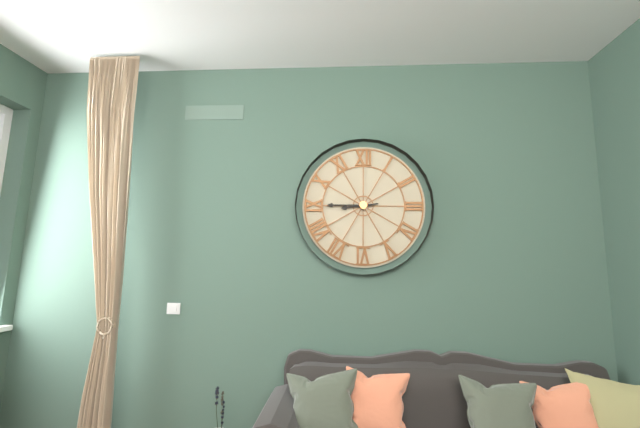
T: 8 h 45 min
